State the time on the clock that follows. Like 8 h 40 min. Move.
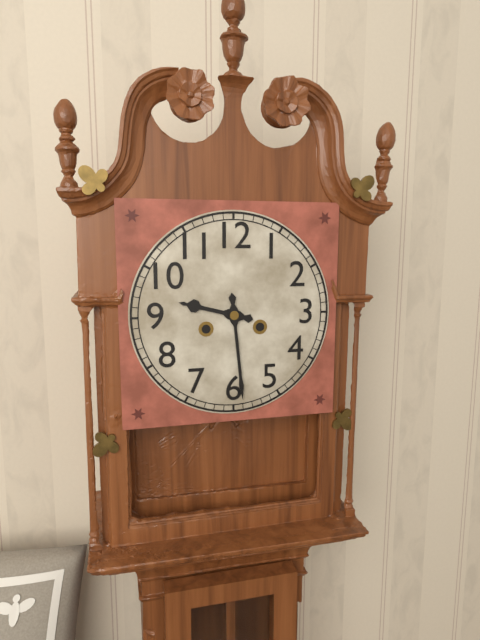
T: 9 h 29 min
